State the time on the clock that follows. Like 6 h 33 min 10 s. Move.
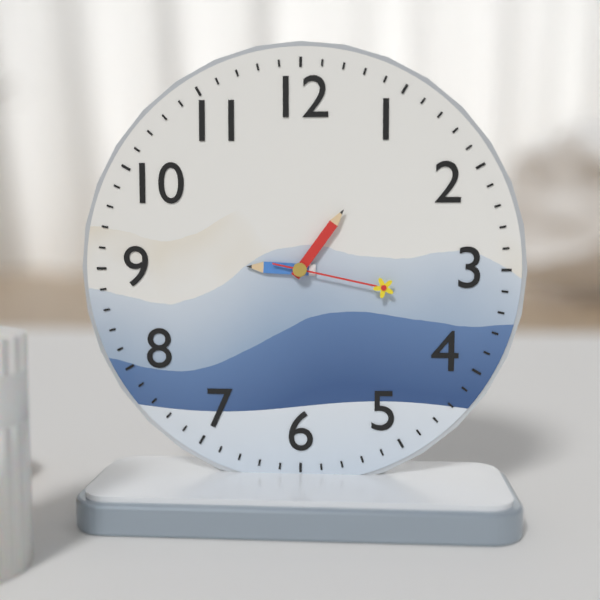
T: 9 h 06 min 17 s
